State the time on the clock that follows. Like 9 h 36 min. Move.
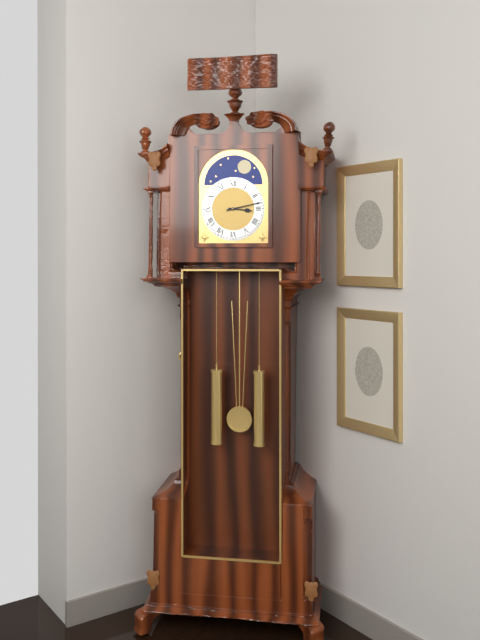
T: 3 h 13 min
